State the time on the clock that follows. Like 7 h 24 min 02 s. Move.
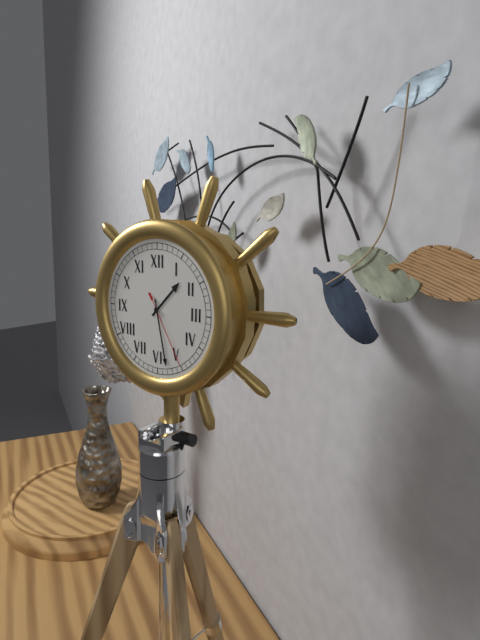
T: 1 h 28 min 25 s
